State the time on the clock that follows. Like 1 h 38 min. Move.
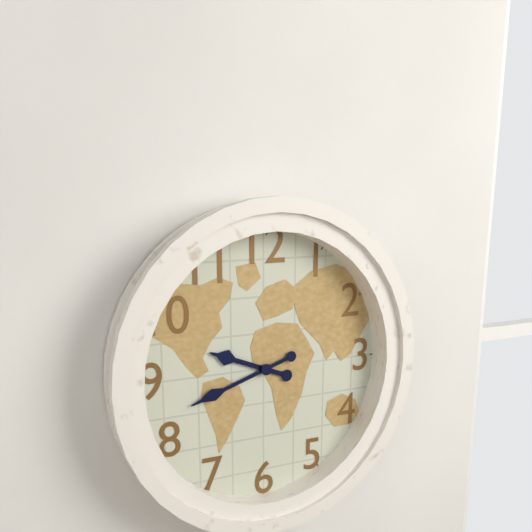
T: 9 h 42 min
